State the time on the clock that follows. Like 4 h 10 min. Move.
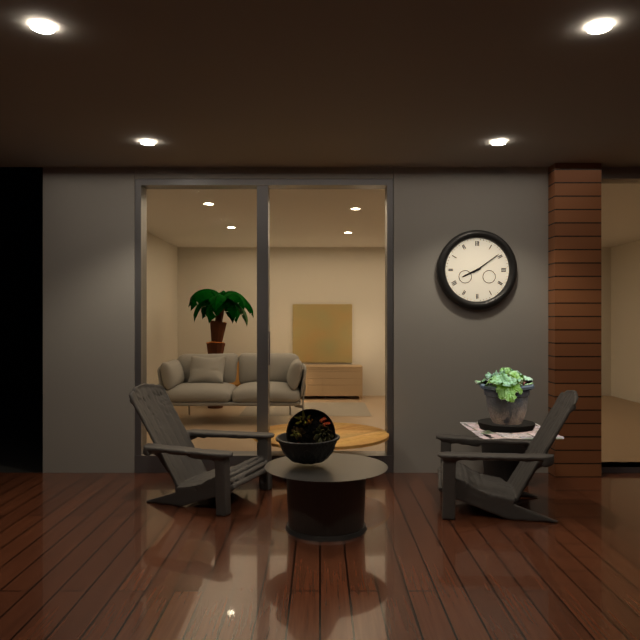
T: 8 h 09 min
